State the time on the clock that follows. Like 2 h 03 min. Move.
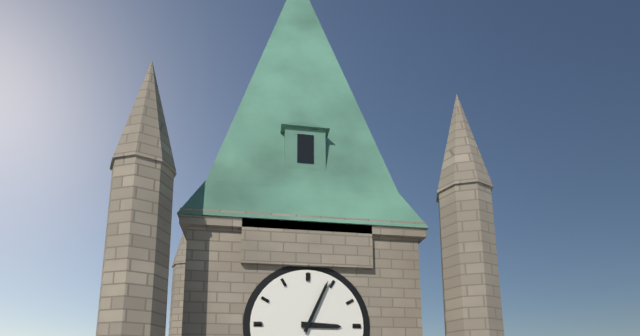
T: 3 h 04 min
